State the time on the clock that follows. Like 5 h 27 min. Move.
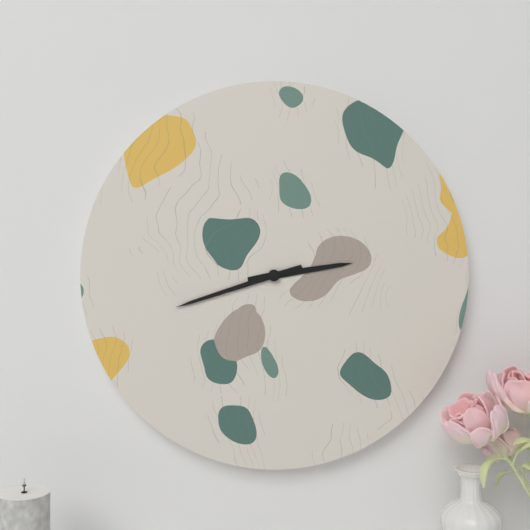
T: 2 h 42 min
